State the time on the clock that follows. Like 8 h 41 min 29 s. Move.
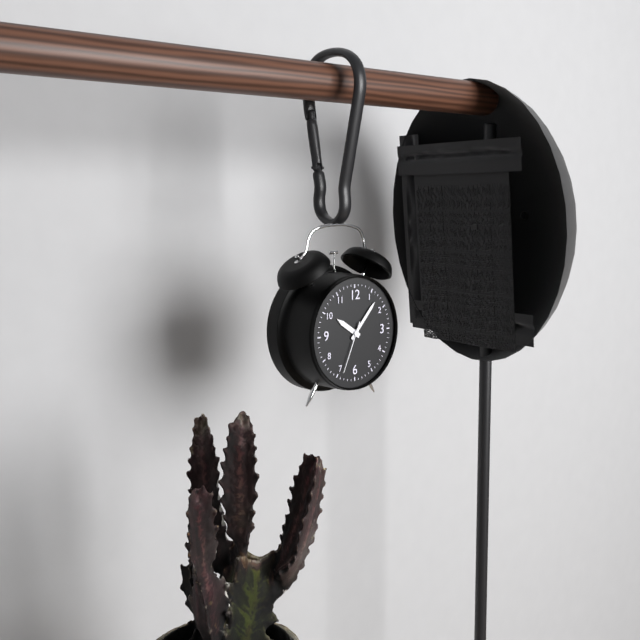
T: 10 h 07 min 34 s
